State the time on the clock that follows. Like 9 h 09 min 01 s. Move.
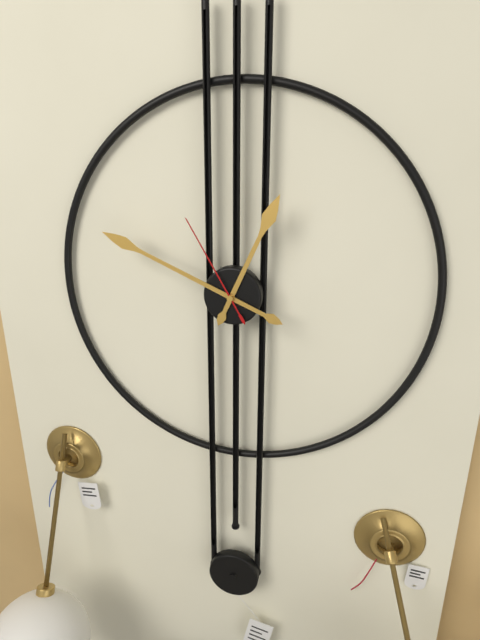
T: 12 h 49 min 55 s
